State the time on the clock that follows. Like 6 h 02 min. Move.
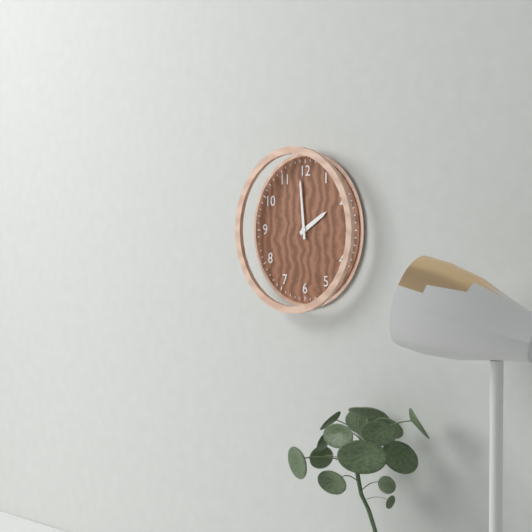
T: 1 h 59 min
